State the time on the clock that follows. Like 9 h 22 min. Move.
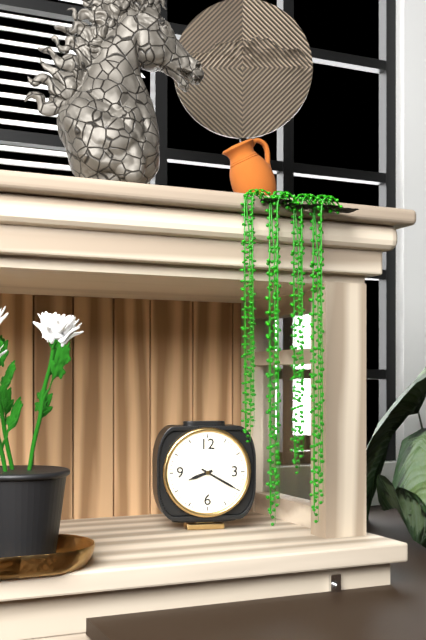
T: 8 h 20 min
